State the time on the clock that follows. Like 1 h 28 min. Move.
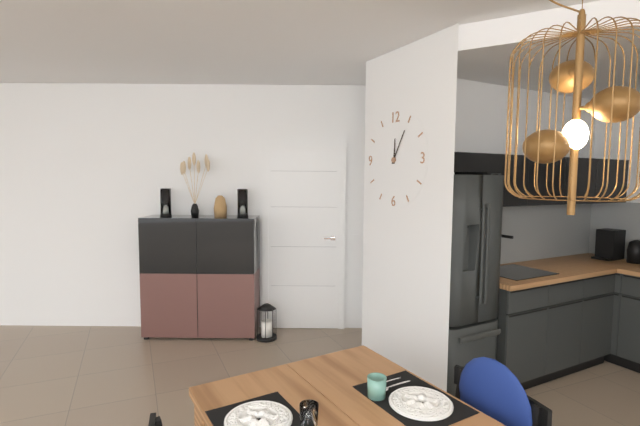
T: 12 h 05 min
